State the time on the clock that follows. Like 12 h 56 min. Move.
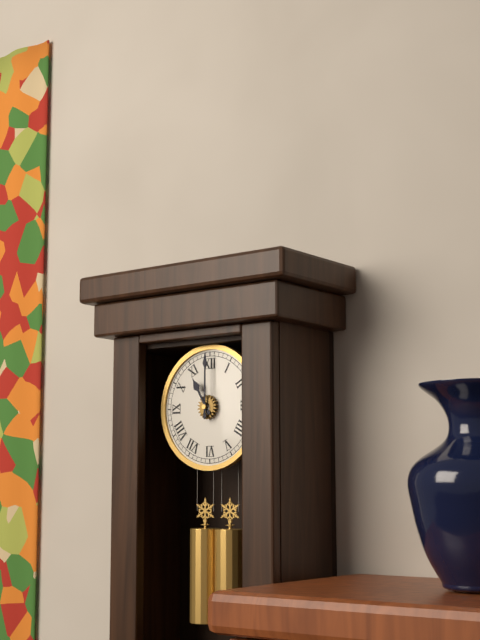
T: 11 h 00 min
